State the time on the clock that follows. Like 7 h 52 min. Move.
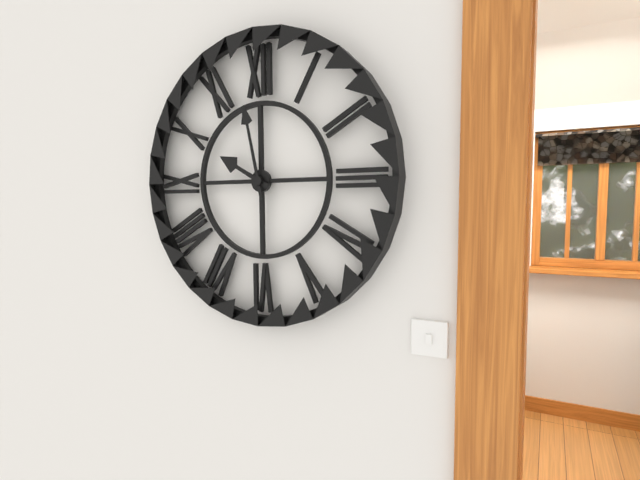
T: 9 h 58 min
